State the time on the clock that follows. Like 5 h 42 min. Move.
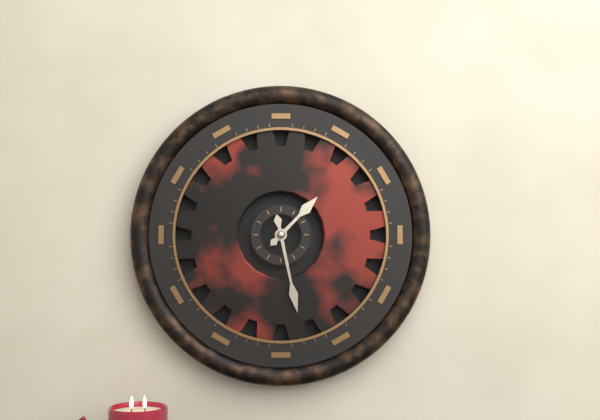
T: 1 h 28 min
